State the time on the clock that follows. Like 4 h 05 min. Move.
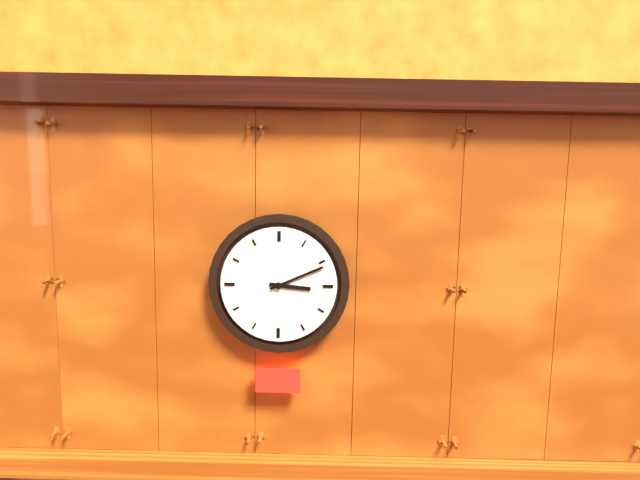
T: 3 h 11 min
